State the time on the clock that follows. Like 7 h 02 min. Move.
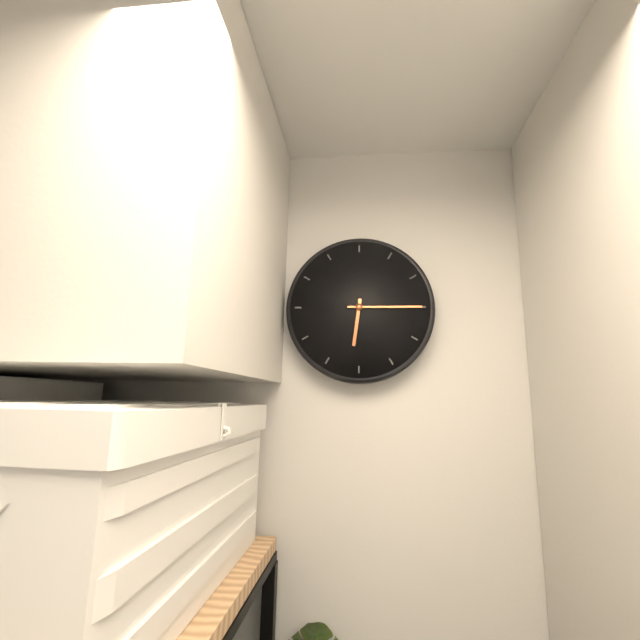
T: 6 h 15 min
